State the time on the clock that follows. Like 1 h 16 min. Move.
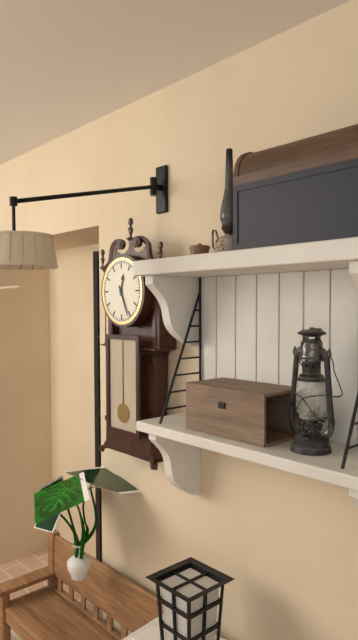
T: 12 h 26 min
